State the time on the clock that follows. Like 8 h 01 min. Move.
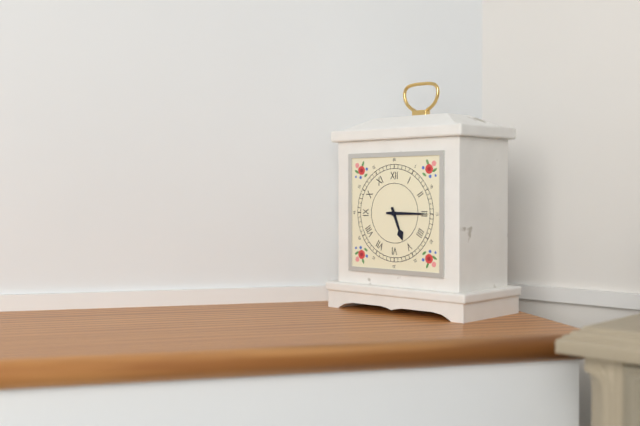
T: 5 h 15 min
